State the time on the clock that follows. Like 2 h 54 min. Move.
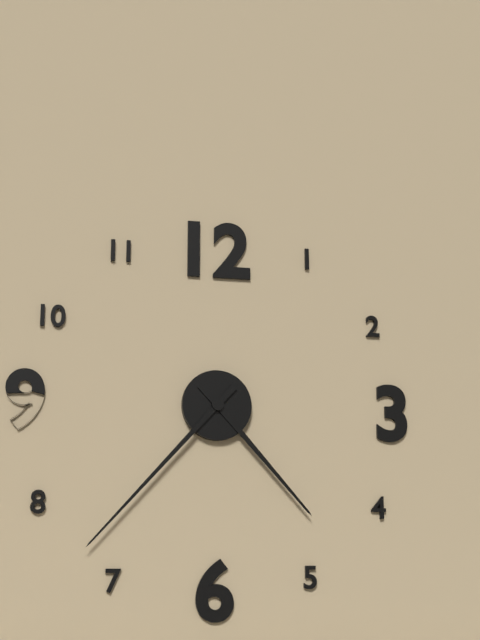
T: 4 h 37 min
